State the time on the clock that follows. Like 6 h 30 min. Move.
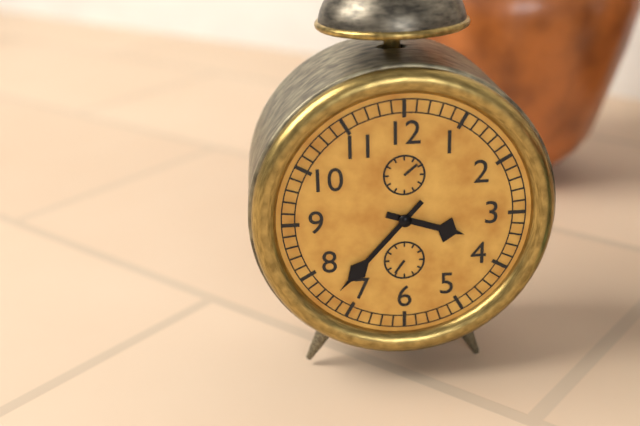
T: 3 h 37 min
